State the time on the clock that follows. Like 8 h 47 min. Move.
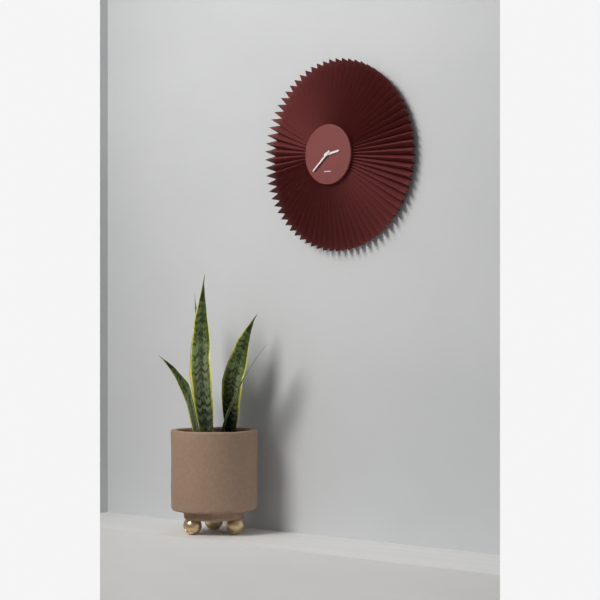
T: 2 h 38 min
